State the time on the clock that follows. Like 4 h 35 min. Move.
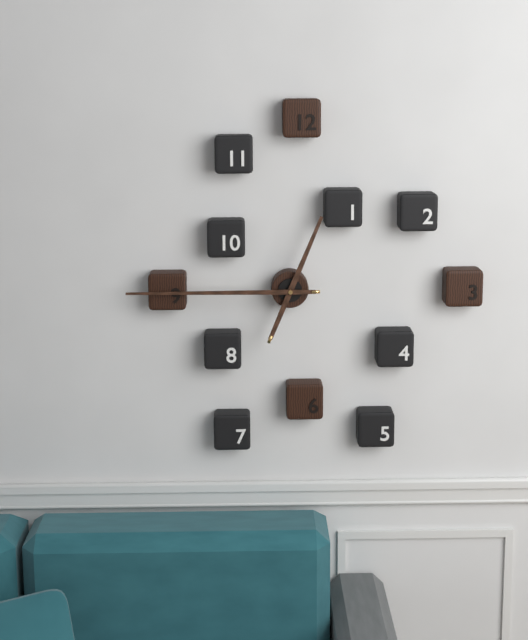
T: 12 h 45 min
